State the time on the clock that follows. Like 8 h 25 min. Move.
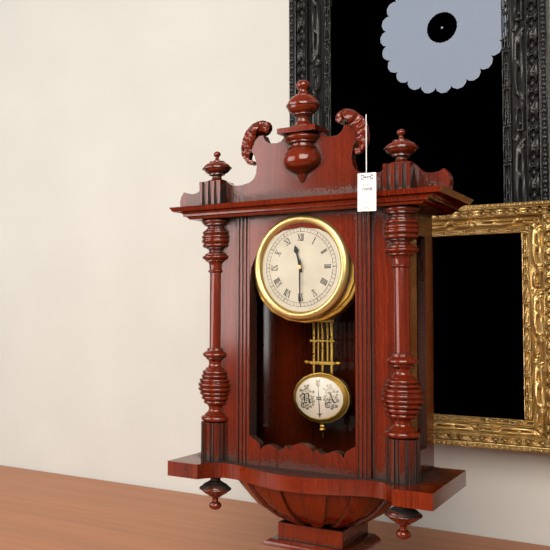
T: 11 h 30 min
